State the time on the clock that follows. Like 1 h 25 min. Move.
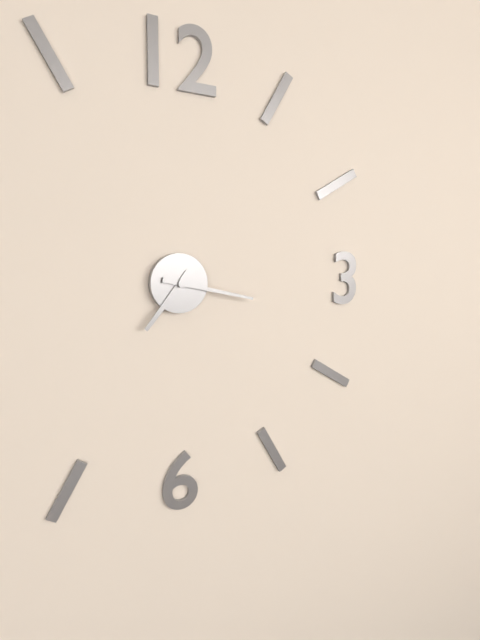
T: 7 h 17 min
